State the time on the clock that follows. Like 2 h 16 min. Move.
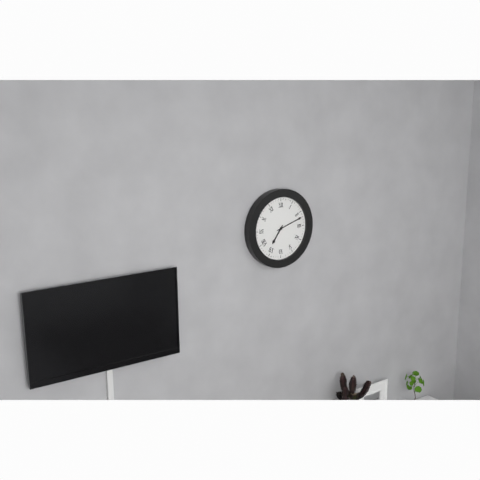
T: 7 h 12 min
